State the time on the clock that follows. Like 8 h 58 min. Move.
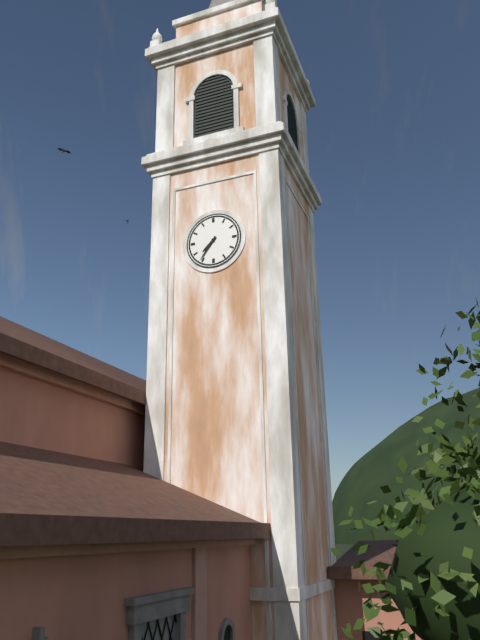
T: 7 h 36 min
